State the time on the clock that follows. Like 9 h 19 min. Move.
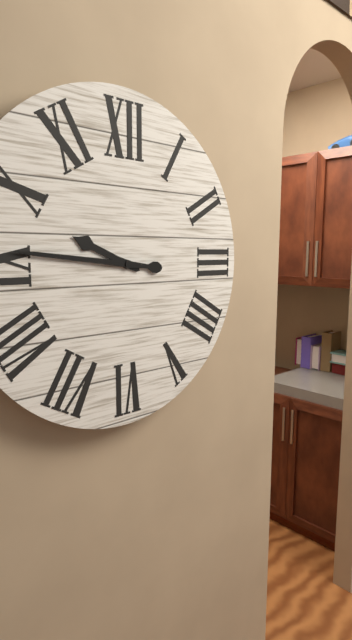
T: 9 h 46 min
